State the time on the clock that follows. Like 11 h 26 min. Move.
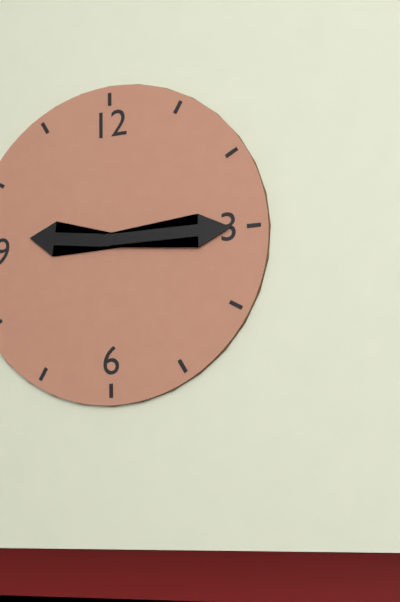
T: 9 h 15 min
